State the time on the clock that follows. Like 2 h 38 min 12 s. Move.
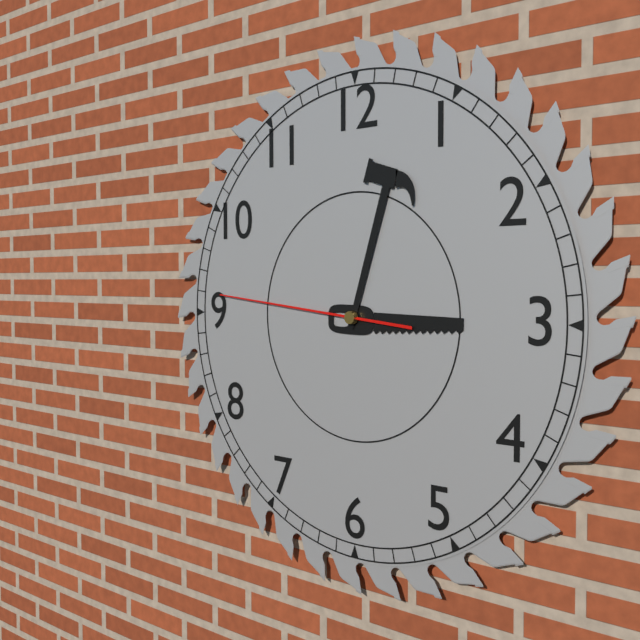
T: 3 h 03 min 46 s
